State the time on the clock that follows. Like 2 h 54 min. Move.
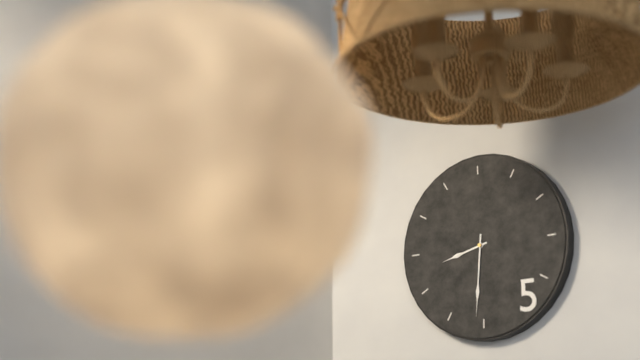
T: 8 h 31 min
